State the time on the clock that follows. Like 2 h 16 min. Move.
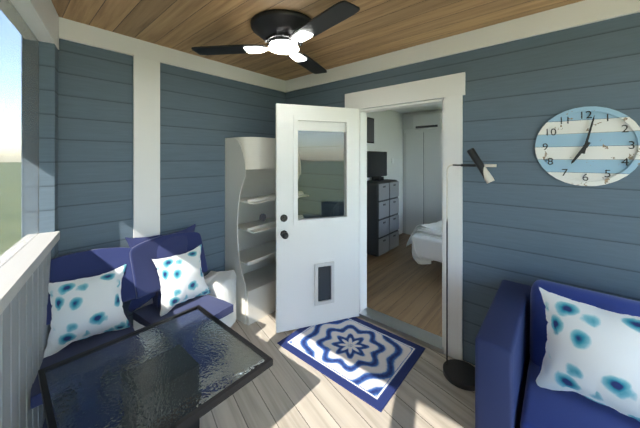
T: 7 h 02 min
